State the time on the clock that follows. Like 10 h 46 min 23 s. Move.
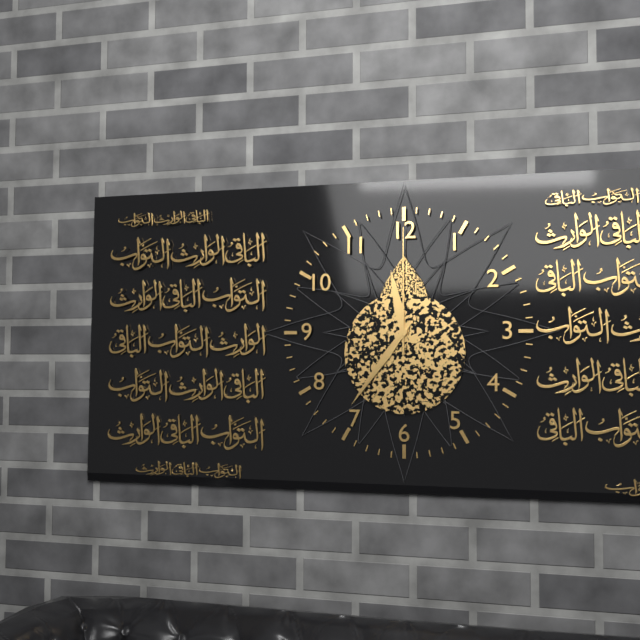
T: 11 h 36 min 00 s
